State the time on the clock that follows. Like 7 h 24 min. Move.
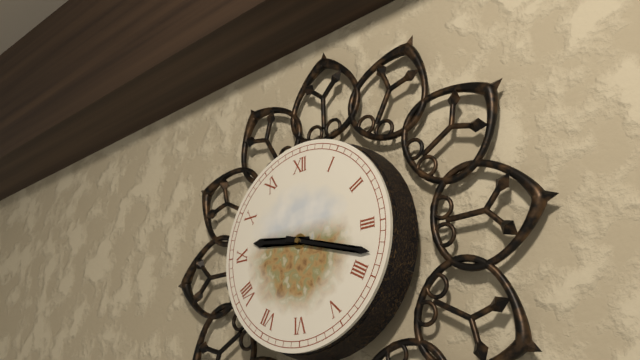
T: 9 h 18 min
